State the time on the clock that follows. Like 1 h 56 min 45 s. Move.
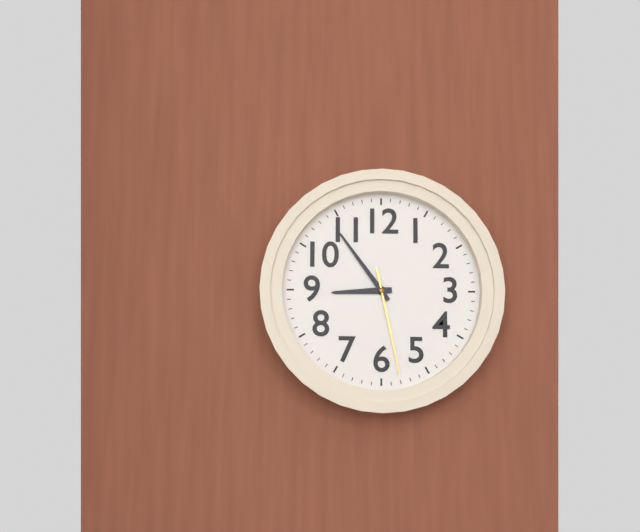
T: 8 h 54 min 28 s
